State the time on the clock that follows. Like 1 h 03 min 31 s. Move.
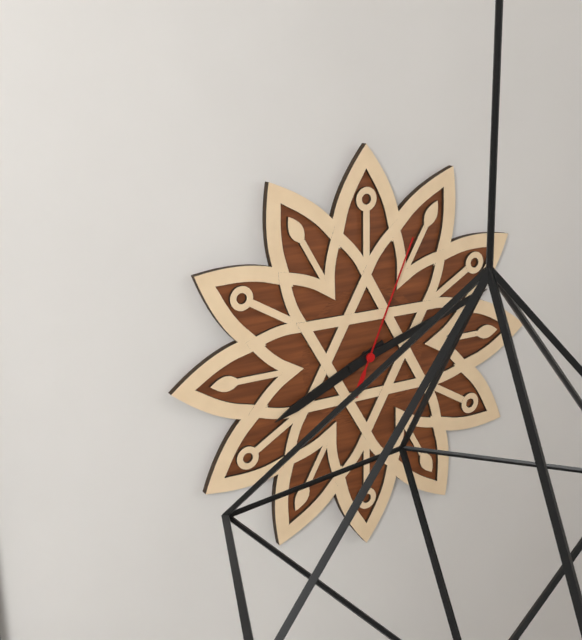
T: 8 h 12 min 04 s
